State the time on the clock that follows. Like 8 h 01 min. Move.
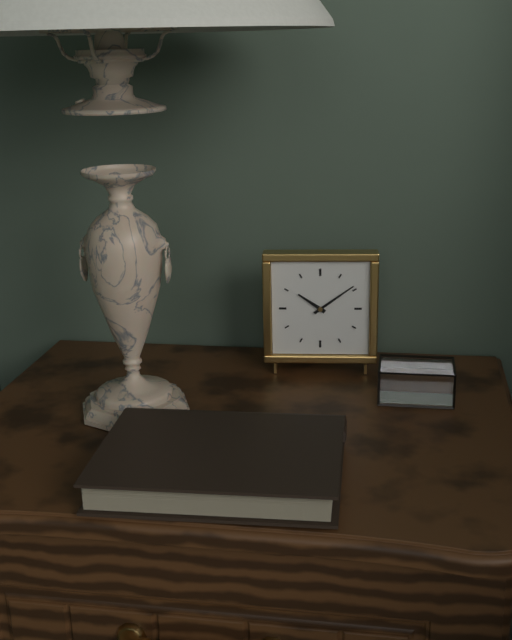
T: 10 h 09 min
